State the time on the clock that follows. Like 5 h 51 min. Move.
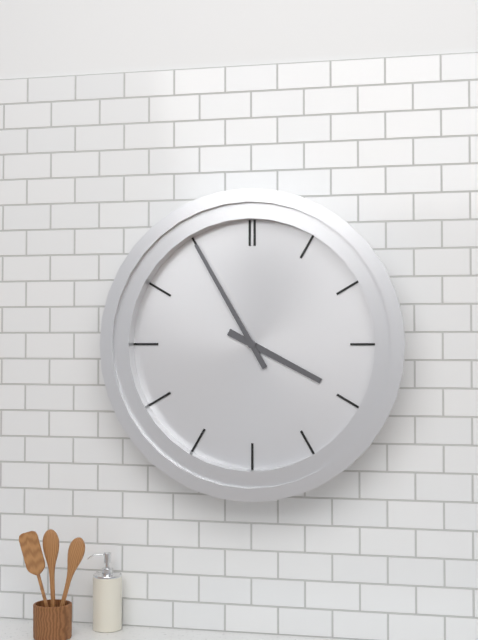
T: 3 h 55 min
